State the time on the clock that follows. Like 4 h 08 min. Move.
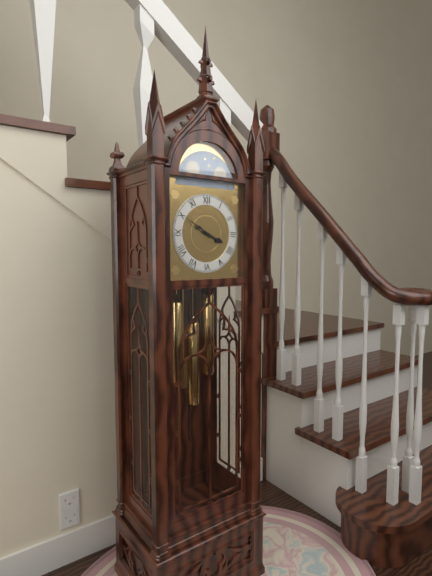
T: 3 h 50 min
